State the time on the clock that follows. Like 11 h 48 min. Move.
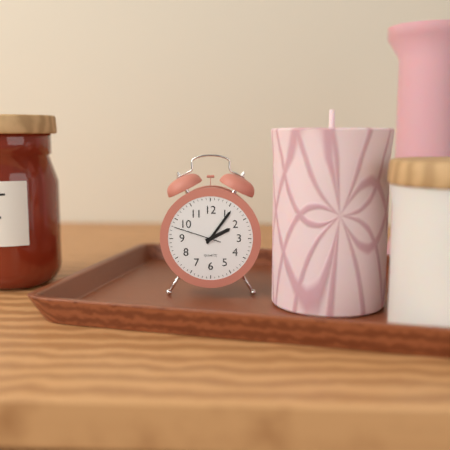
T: 2 h 06 min
